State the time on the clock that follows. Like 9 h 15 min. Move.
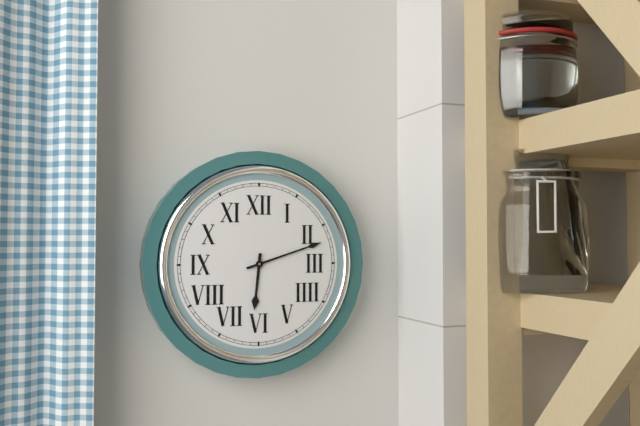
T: 6 h 12 min
